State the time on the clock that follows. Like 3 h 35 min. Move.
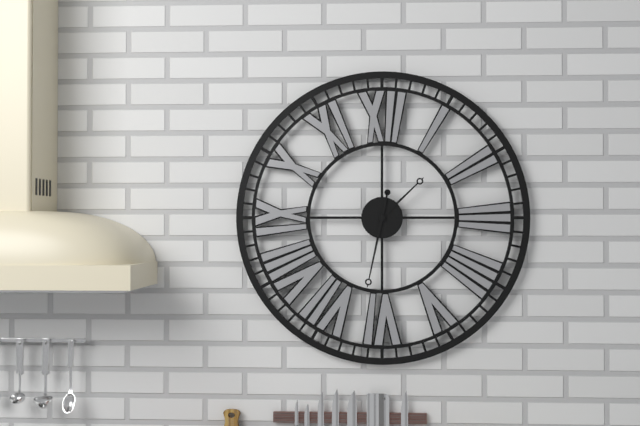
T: 1 h 32 min
